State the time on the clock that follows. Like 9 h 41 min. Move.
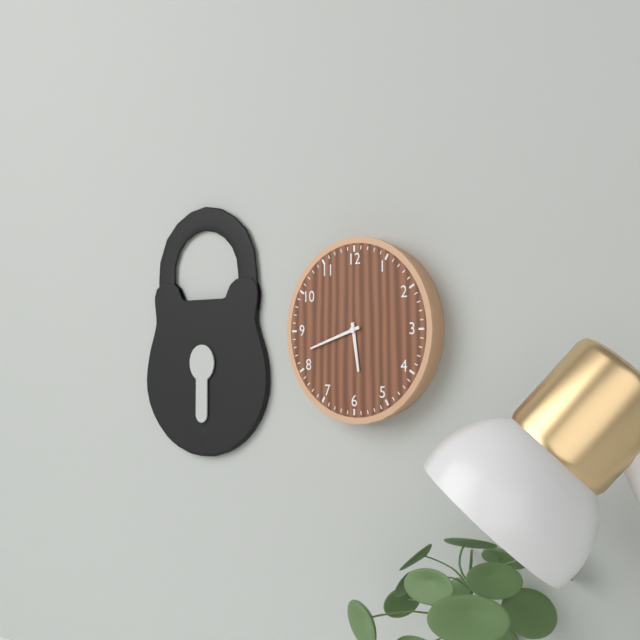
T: 5 h 42 min
